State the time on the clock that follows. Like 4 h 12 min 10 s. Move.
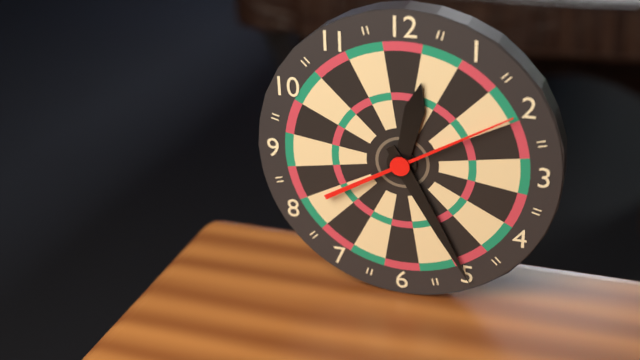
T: 12 h 25 min 10 s
